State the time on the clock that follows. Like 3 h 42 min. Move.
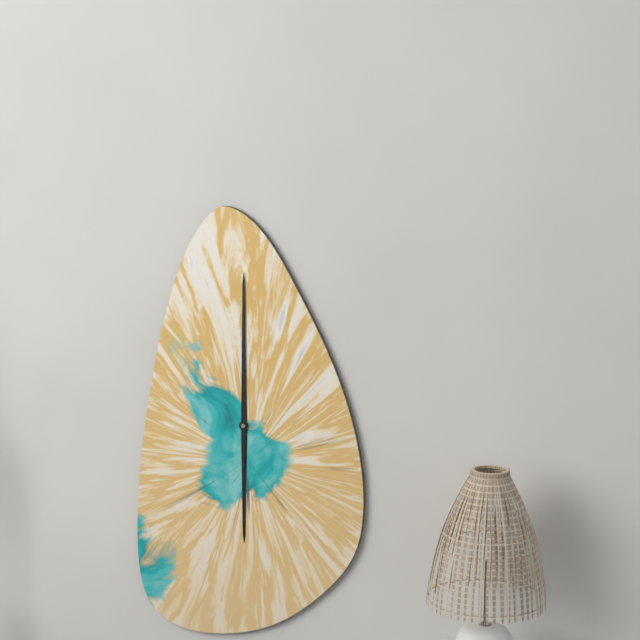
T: 6 h 00 min
